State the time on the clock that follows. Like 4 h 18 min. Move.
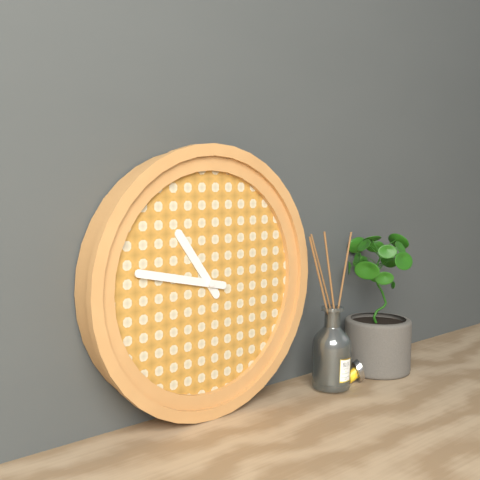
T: 10 h 47 min
